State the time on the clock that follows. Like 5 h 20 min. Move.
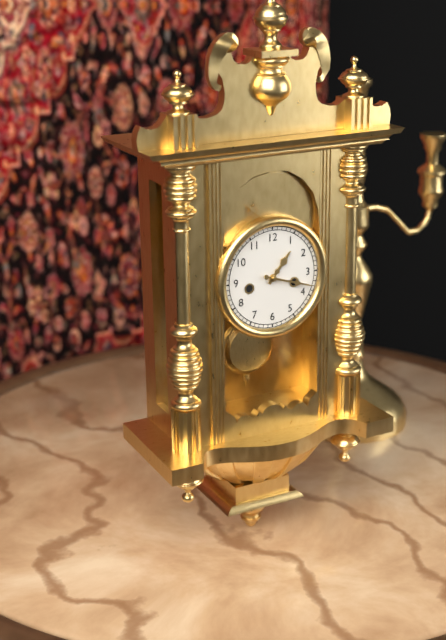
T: 1 h 18 min
